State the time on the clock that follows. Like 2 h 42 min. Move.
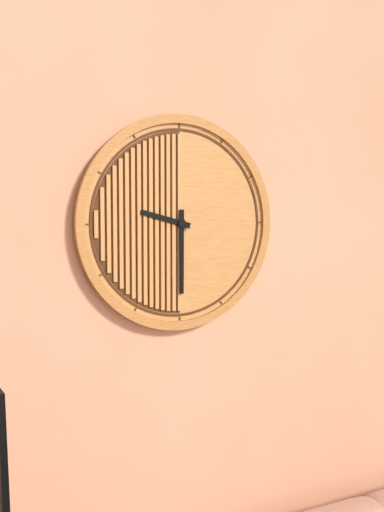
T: 9 h 30 min
